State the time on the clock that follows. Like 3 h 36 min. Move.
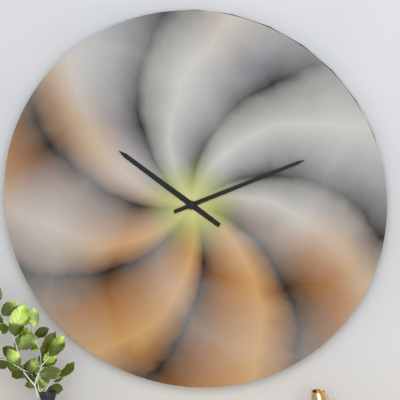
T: 10 h 11 min
